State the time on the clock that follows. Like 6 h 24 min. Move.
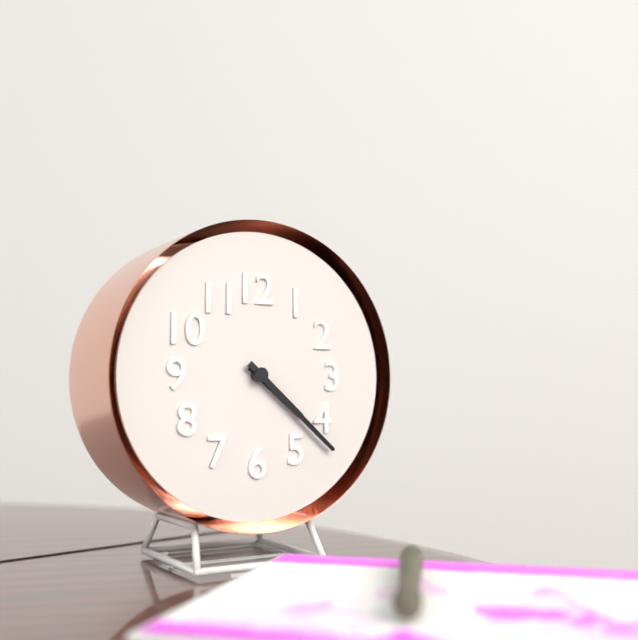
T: 4 h 22 min
